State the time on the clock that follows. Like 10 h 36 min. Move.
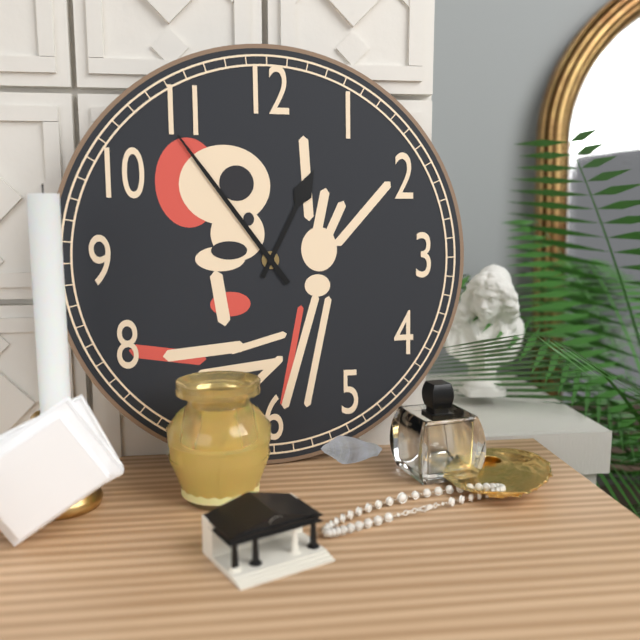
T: 12 h 54 min
